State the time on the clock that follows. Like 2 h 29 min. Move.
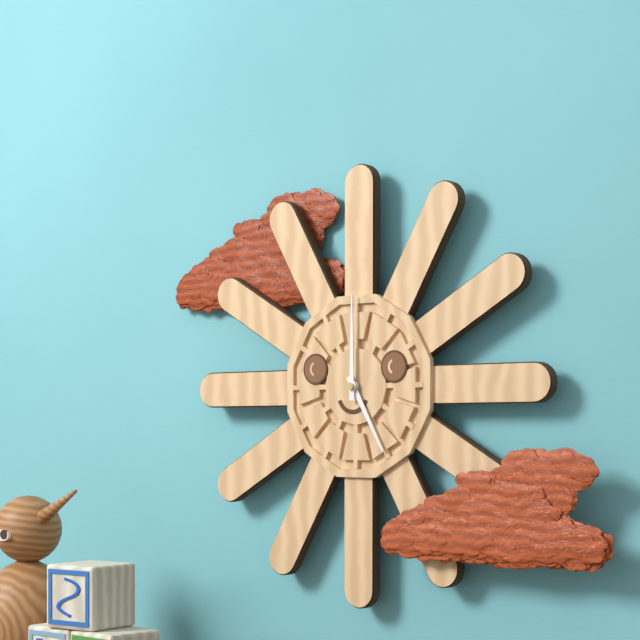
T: 5 h 00 min
